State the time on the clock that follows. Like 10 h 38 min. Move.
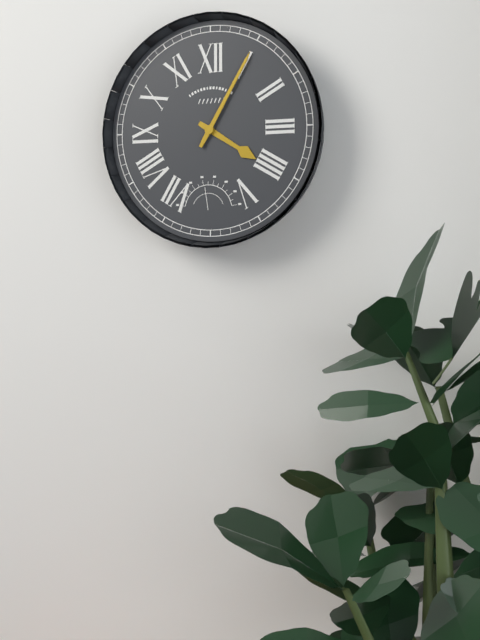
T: 4 h 05 min
